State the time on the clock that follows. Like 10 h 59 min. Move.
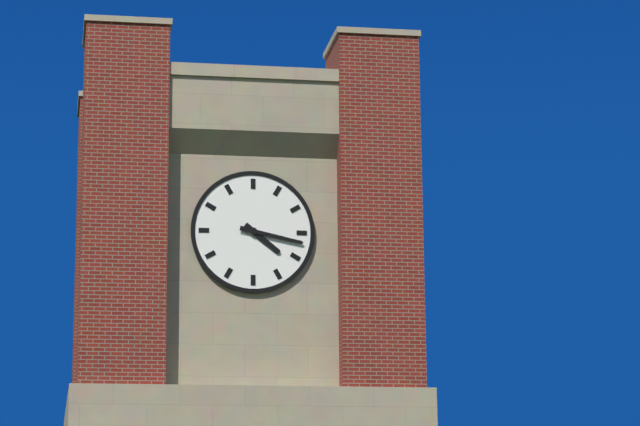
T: 4 h 17 min
